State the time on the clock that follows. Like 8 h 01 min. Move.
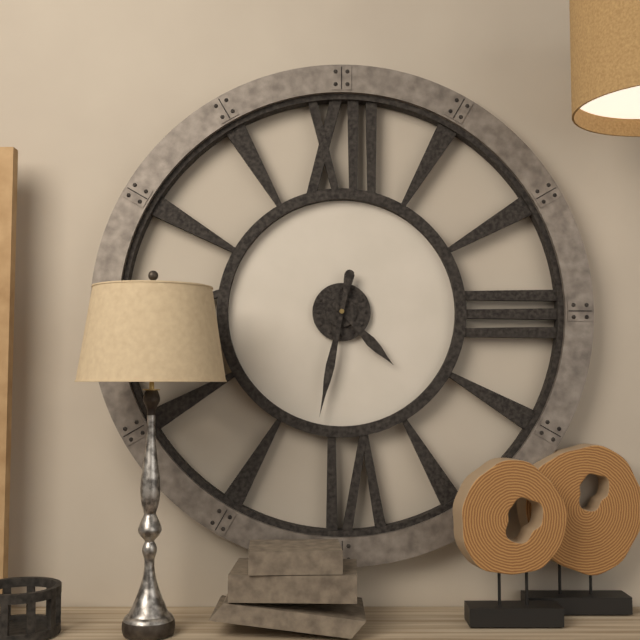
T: 4 h 32 min
